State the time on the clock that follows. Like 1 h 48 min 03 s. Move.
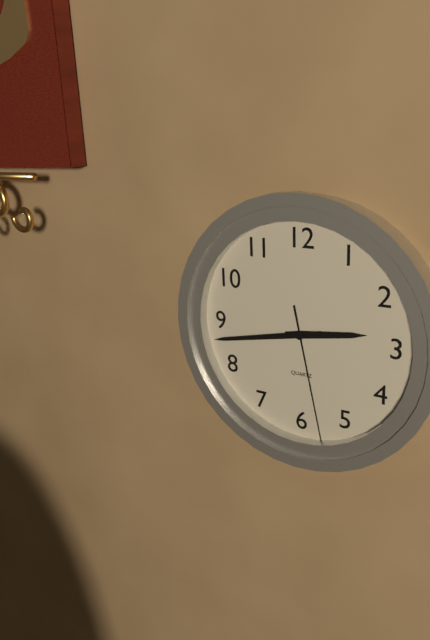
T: 2 h 43 min 28 s
